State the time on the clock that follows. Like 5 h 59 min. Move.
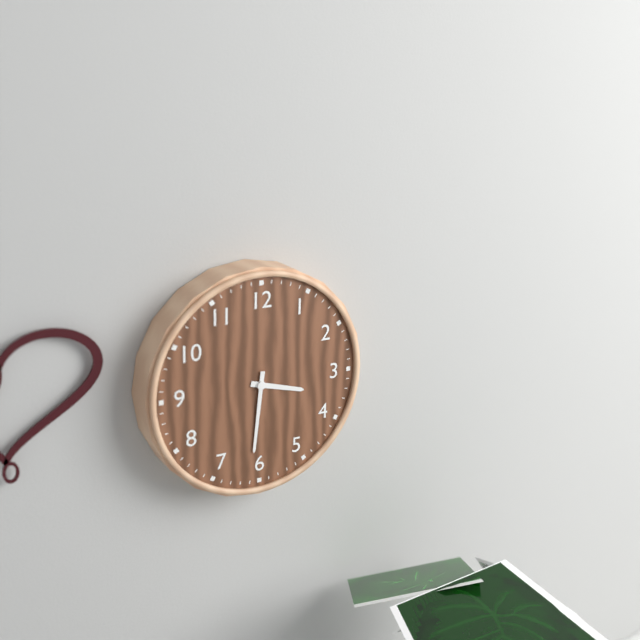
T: 3 h 31 min
